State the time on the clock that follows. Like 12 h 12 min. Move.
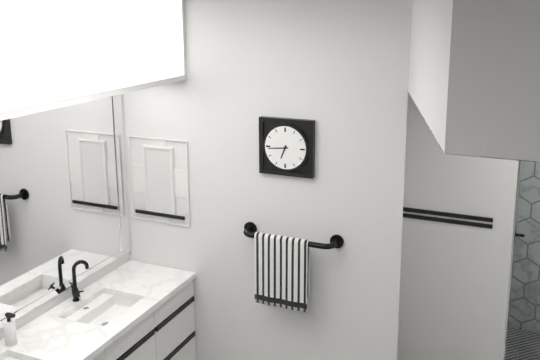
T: 6 h 44 min
